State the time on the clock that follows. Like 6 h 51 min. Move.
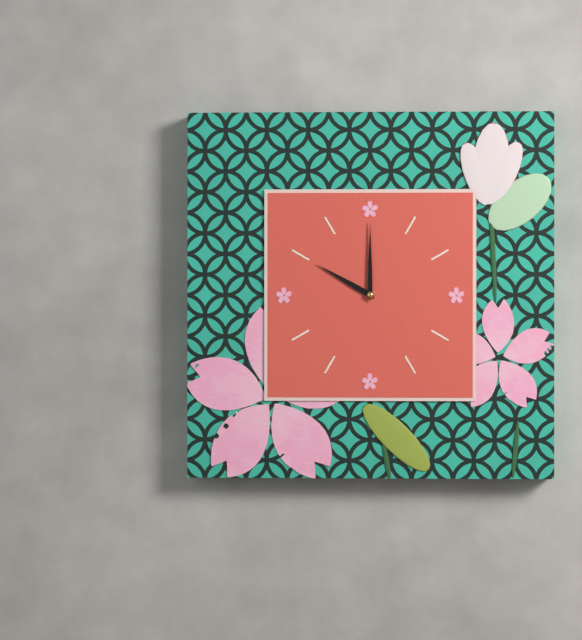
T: 10 h 00 min
